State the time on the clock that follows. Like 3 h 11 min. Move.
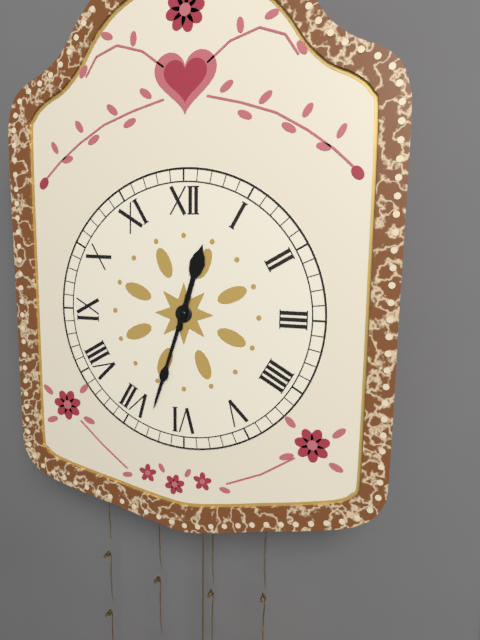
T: 12 h 33 min
